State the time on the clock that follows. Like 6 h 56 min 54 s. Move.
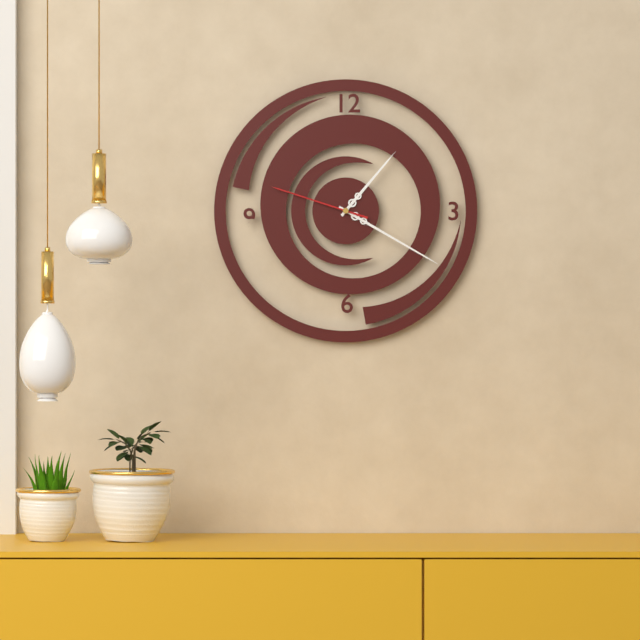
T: 1 h 20 min 48 s
